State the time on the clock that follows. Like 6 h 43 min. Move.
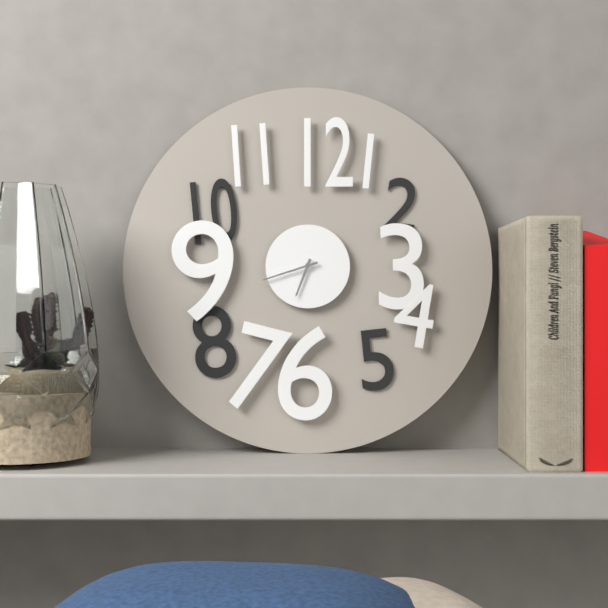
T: 6 h 42 min
